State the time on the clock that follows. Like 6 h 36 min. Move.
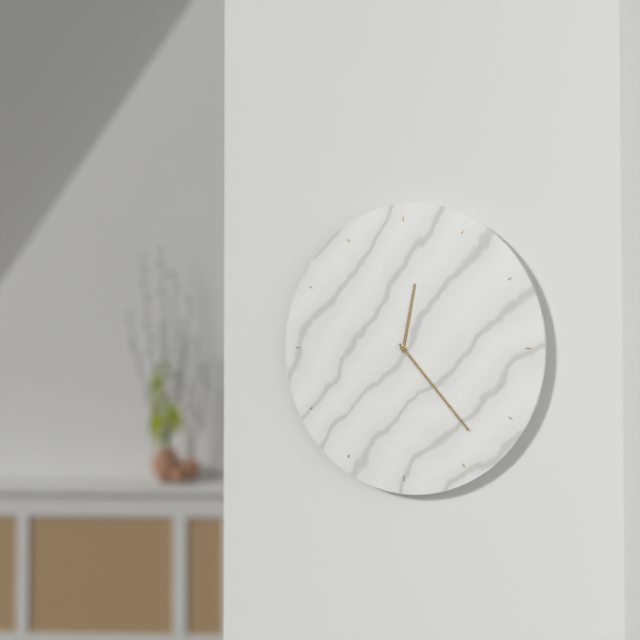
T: 12 h 23 min
